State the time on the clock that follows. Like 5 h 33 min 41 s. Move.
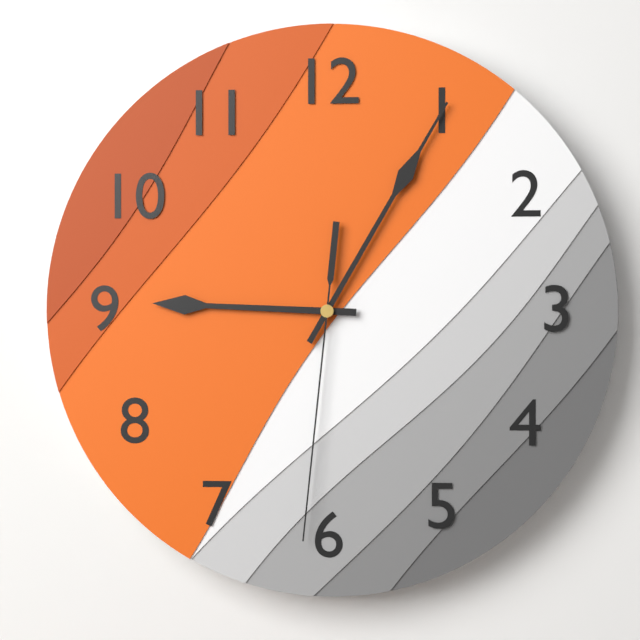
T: 9 h 05 min 31 s
